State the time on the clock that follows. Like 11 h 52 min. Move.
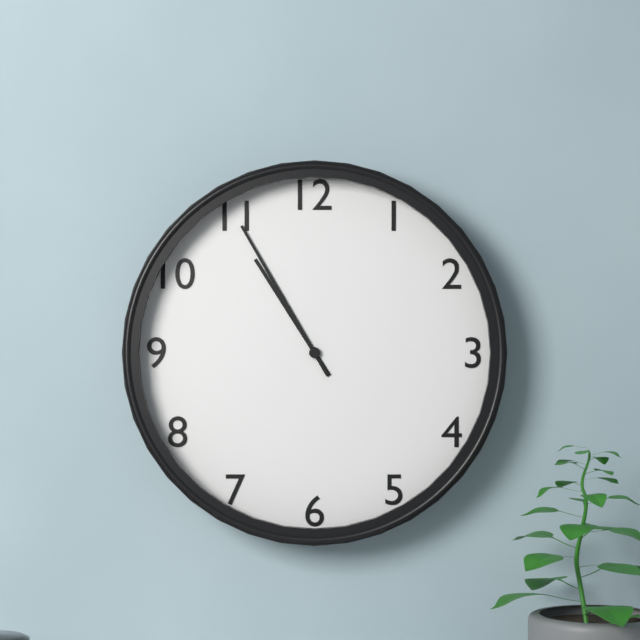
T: 10 h 55 min
